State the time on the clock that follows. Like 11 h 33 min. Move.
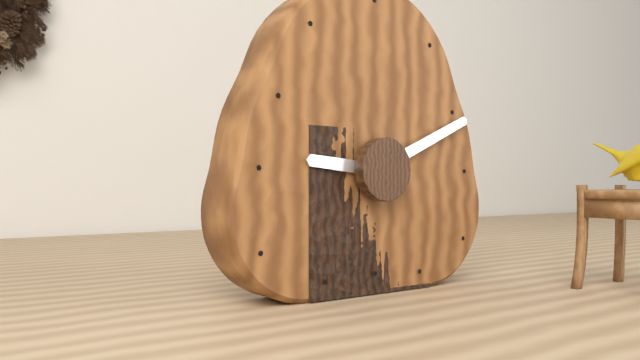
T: 9 h 11 min
